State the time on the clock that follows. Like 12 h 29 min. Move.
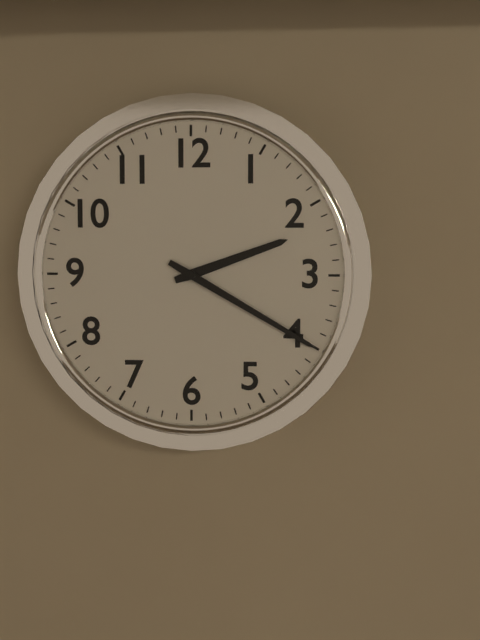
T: 2 h 20 min
